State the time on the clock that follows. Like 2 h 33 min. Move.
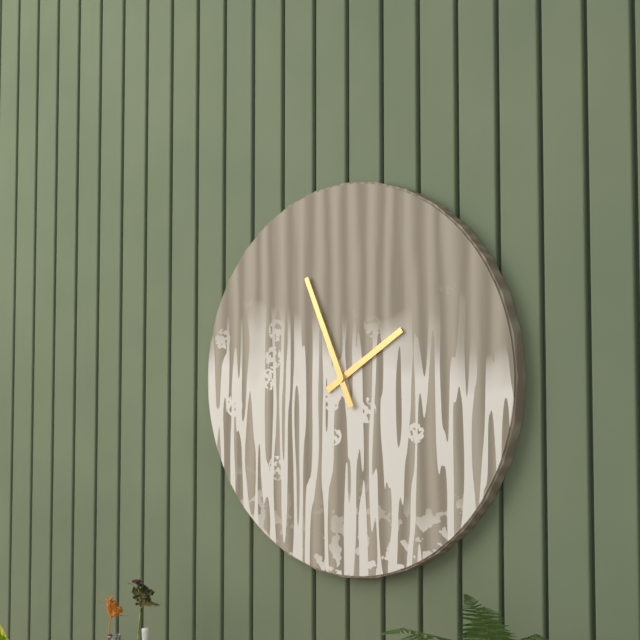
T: 1 h 56 min
